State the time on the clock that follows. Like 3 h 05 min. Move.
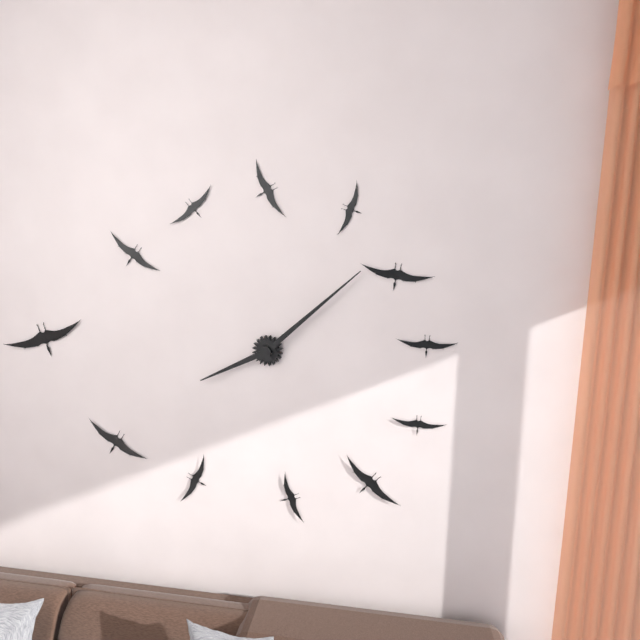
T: 8 h 08 min
